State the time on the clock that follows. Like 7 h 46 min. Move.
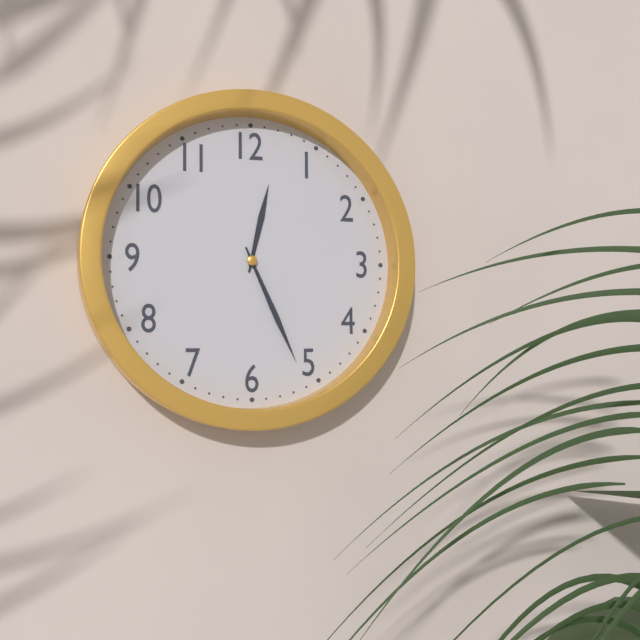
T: 12 h 26 min
